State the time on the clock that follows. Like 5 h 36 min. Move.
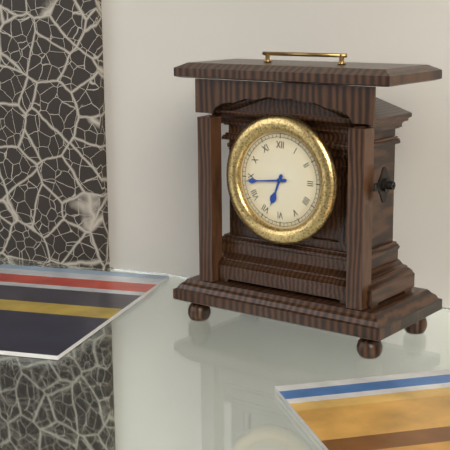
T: 6 h 44 min
